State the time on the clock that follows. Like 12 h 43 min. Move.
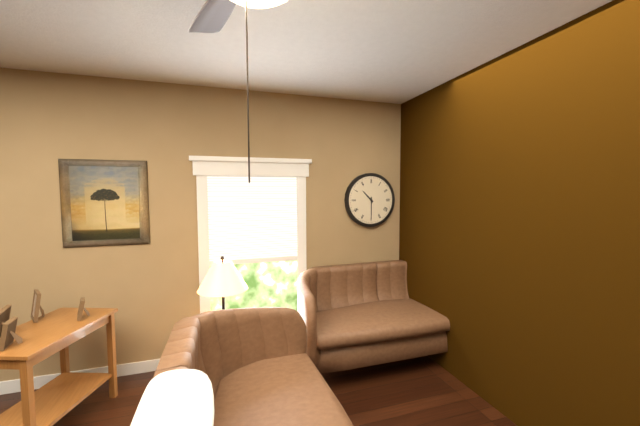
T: 10 h 30 min
